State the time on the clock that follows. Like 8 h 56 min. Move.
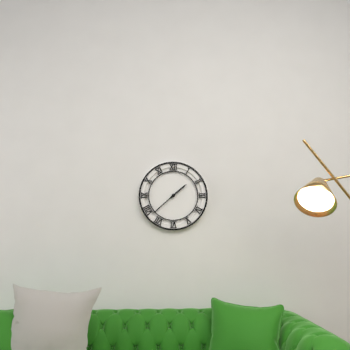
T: 1 h 38 min
